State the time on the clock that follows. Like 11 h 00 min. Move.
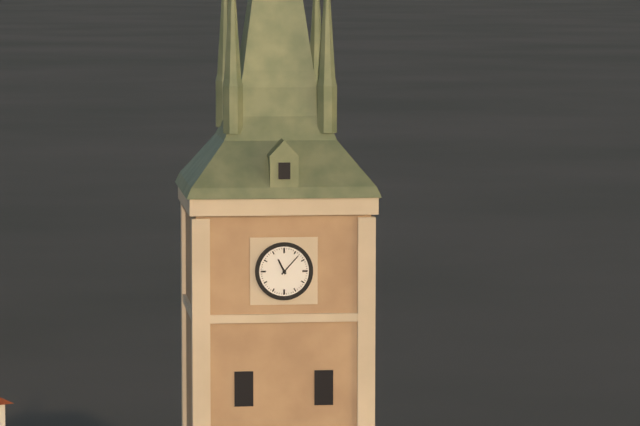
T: 11 h 07 min
